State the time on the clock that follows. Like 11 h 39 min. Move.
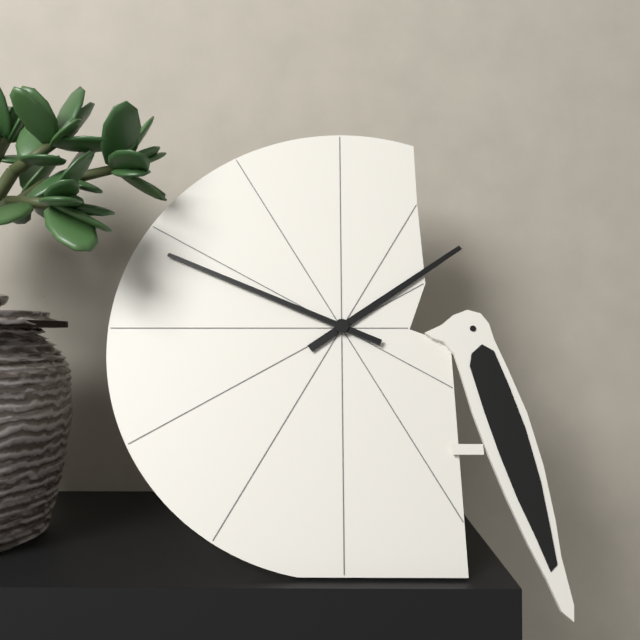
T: 1 h 49 min
